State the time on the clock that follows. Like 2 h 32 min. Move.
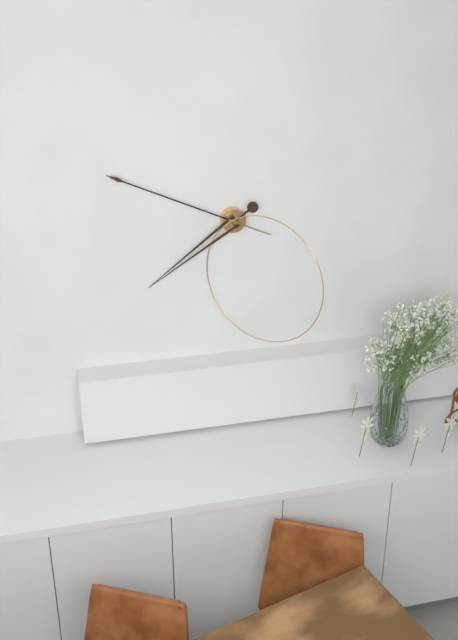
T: 7 h 49 min
